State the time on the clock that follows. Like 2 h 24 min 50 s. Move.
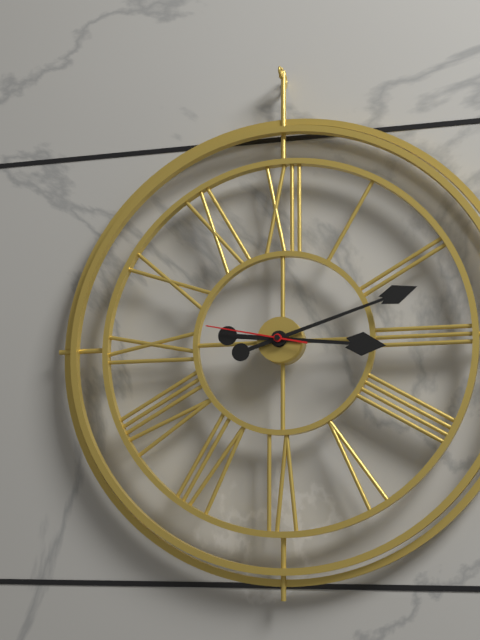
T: 3 h 12 min 47 s
